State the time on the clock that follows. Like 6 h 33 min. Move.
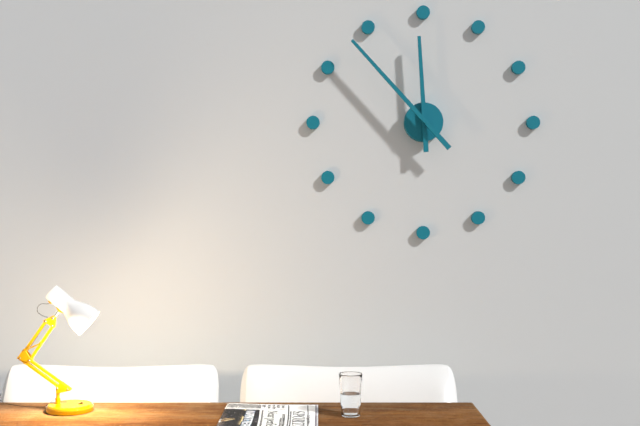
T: 11 h 53 min
